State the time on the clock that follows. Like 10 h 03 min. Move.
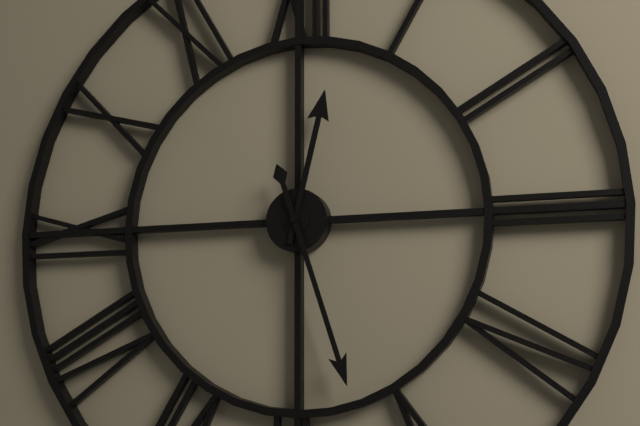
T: 12 h 27 min
